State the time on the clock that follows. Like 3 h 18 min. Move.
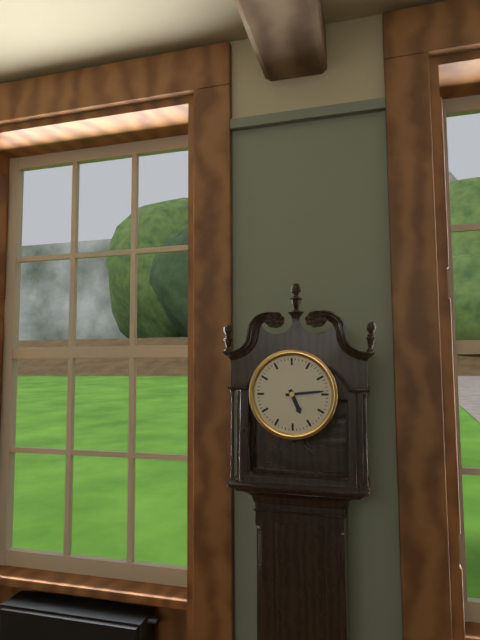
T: 5 h 14 min
